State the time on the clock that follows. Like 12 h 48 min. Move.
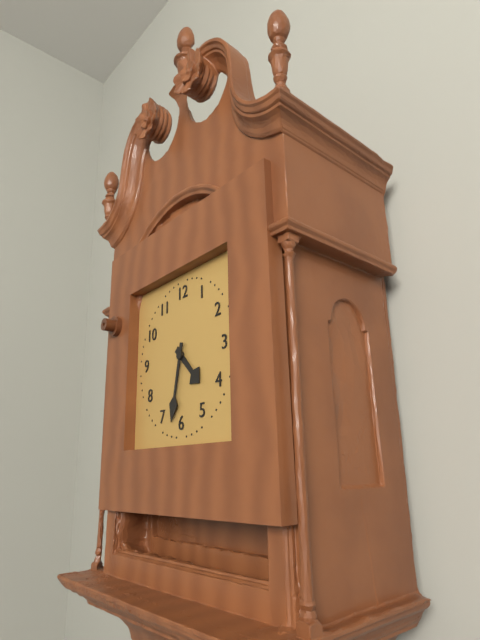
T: 4 h 32 min
